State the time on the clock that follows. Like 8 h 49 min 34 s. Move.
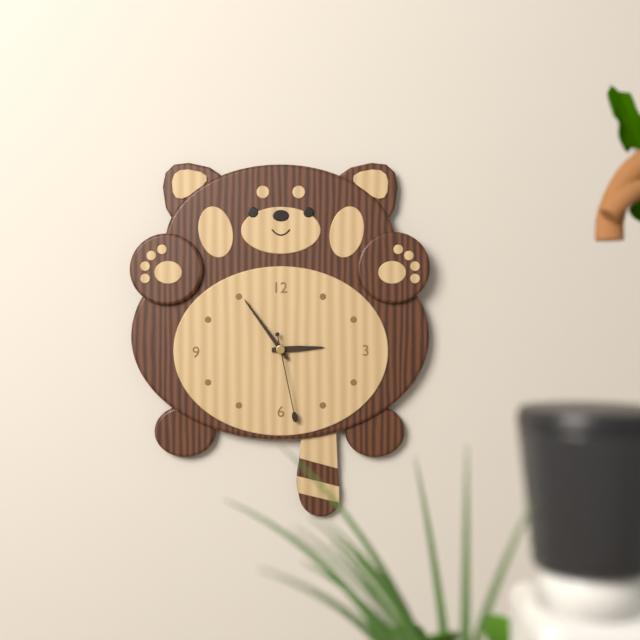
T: 2 h 54 min 28 s
